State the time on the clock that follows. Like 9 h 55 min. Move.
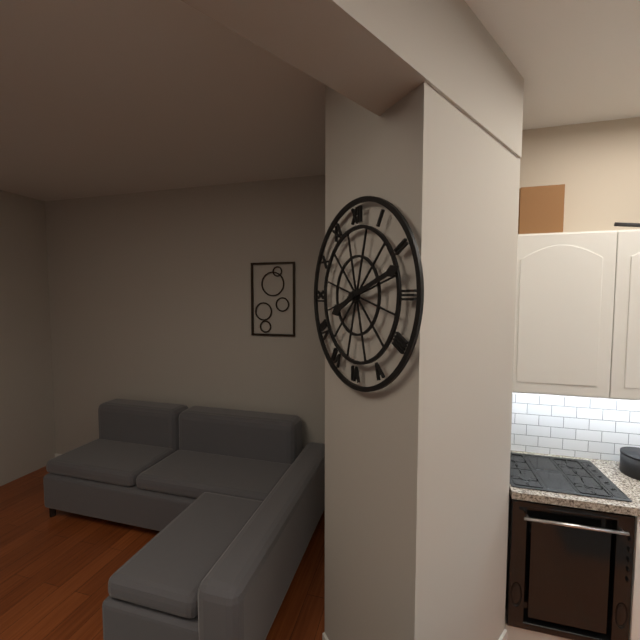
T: 8 h 12 min
